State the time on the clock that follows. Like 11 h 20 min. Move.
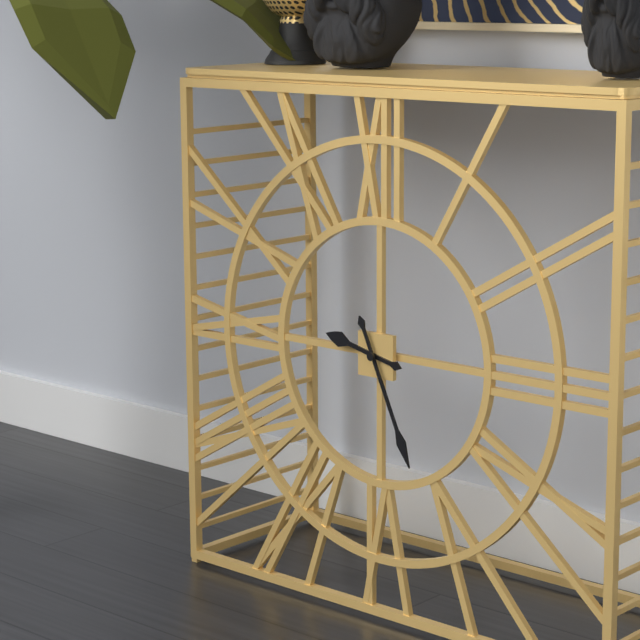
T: 9 h 26 min
